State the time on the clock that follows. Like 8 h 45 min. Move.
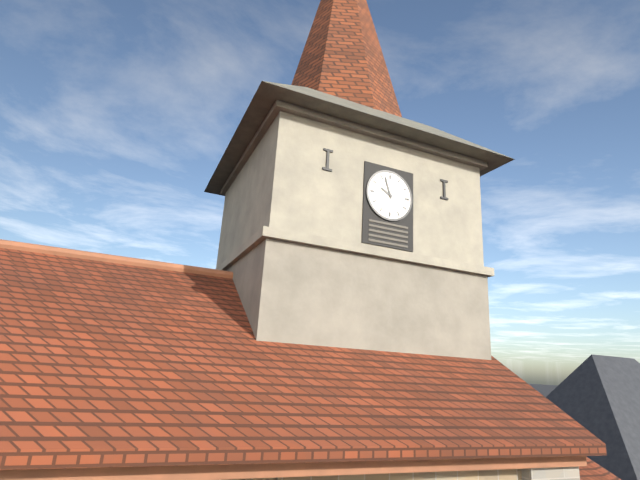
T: 9 h 57 min
